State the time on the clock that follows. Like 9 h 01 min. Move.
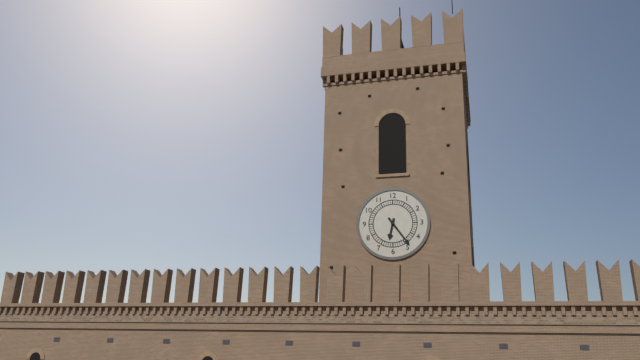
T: 6 h 24 min
